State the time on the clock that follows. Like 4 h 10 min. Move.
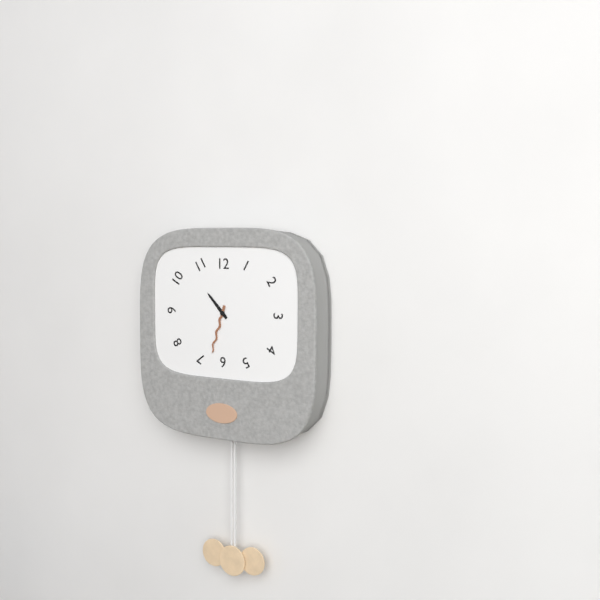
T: 10 h 33 min
